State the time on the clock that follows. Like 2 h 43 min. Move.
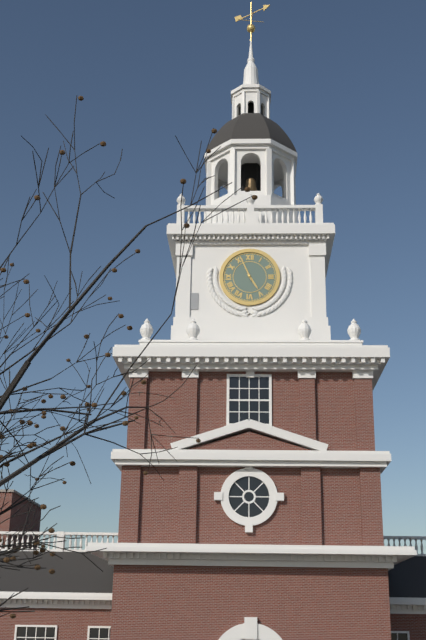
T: 4 h 56 min
